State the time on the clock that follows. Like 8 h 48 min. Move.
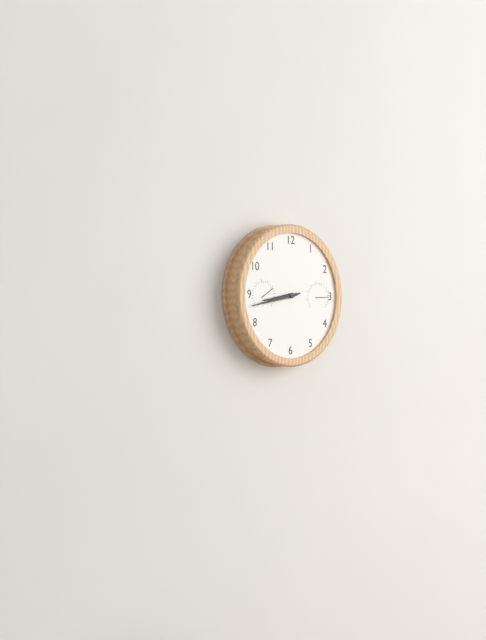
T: 8 h 43 min
